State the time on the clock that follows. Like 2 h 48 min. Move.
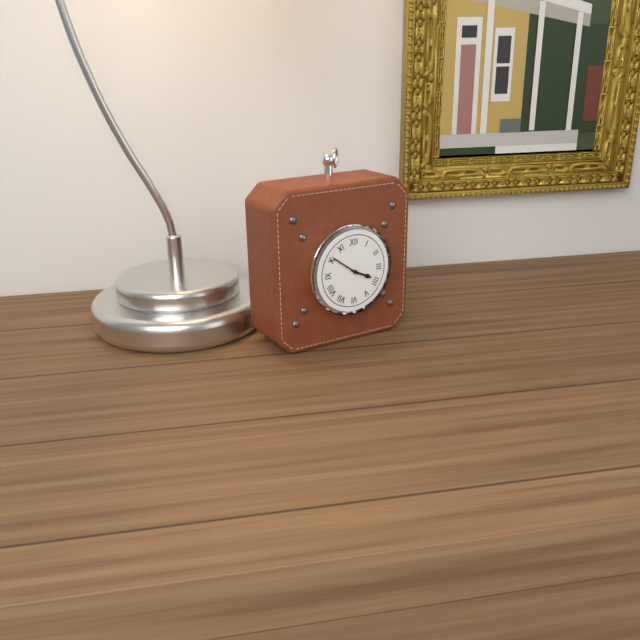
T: 3 h 51 min
